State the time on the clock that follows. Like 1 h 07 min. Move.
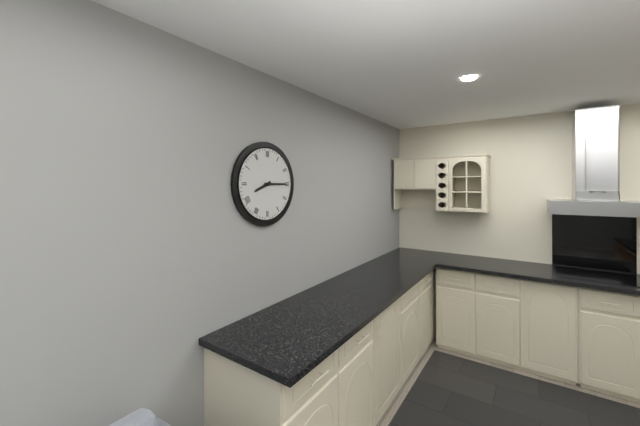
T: 8 h 15 min
